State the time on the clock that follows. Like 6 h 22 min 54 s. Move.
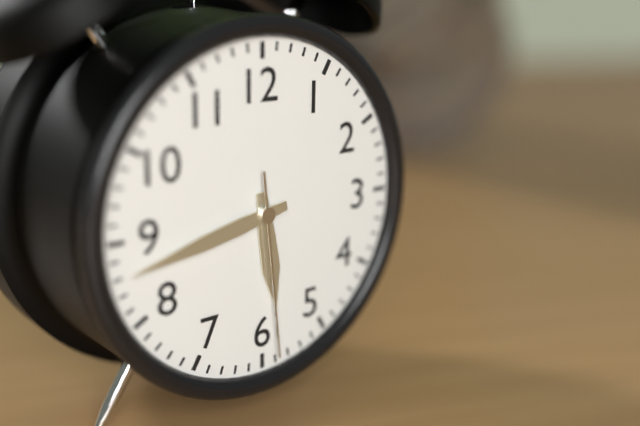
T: 5 h 43 min 29 s
